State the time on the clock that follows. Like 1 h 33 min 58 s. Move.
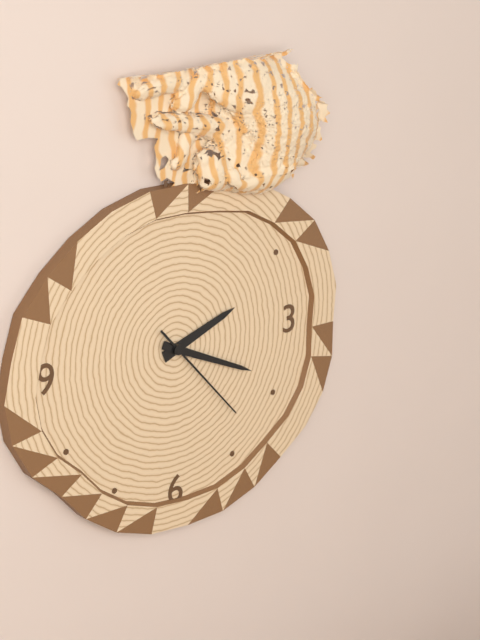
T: 2 h 19 min 23 s
